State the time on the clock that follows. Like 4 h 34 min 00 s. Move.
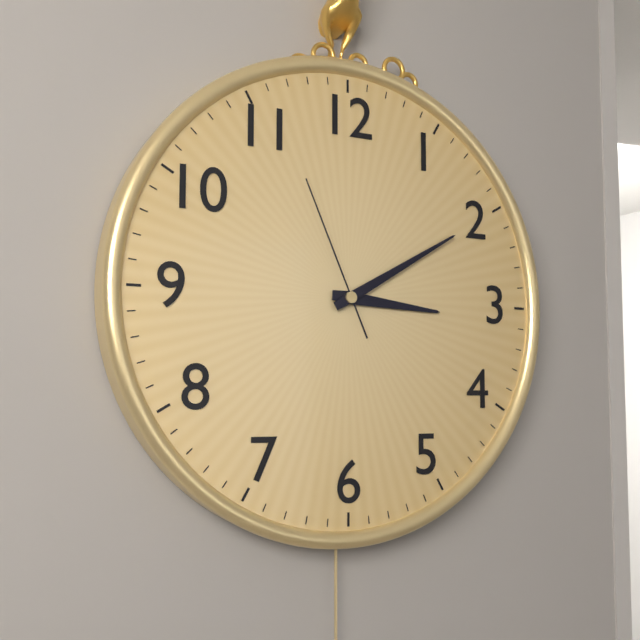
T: 3 h 10 min 56 s
